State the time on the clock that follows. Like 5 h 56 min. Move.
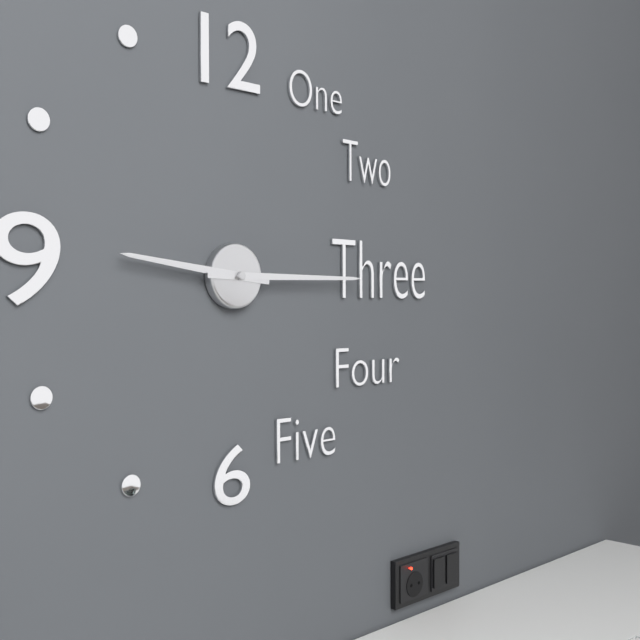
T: 9 h 15 min
